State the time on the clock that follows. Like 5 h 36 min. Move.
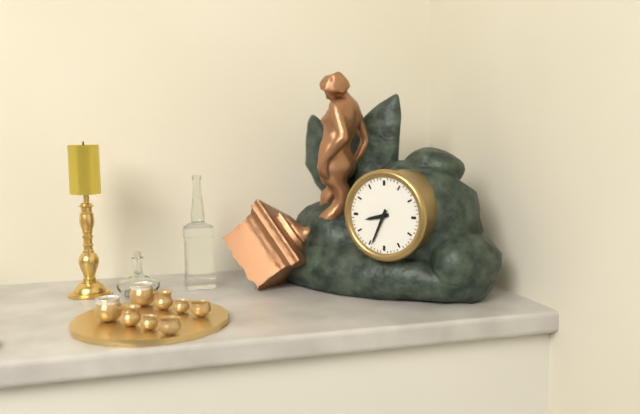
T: 8 h 34 min
